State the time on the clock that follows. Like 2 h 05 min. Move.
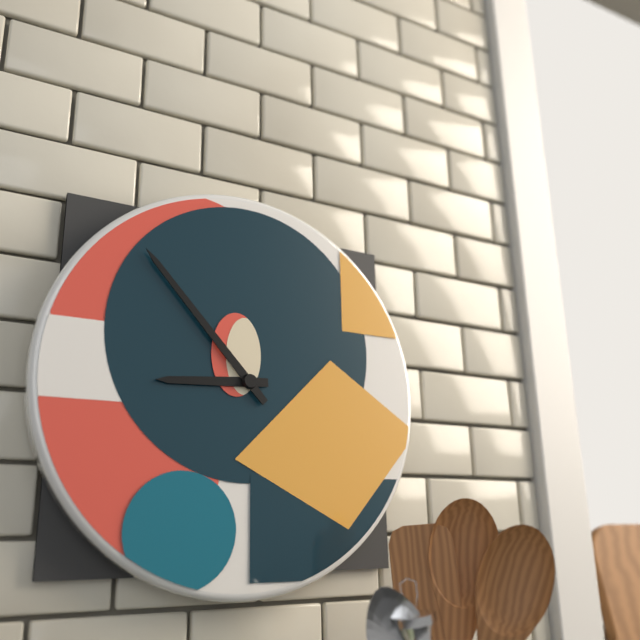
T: 8 h 53 min
